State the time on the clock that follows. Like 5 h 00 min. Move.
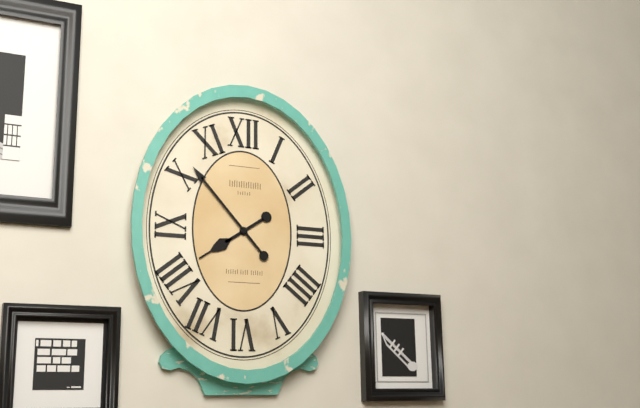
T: 7 h 53 min
